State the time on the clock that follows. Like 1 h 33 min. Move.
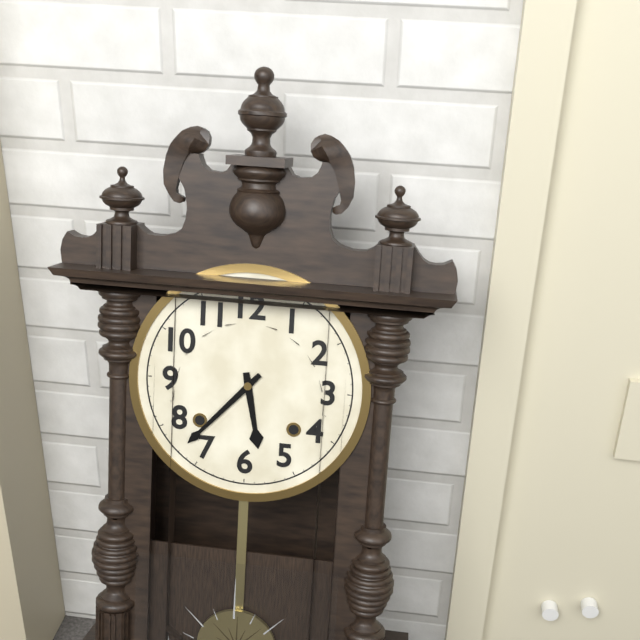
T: 5 h 37 min
